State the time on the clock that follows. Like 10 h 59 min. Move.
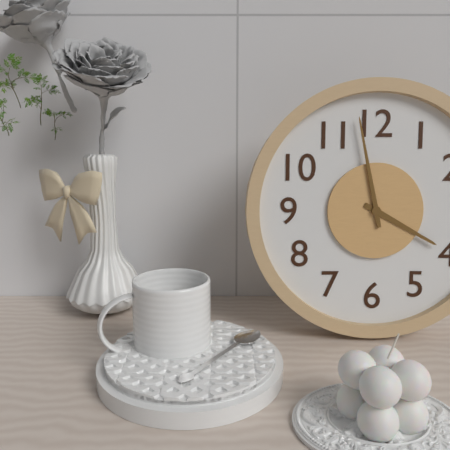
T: 3 h 58 min
